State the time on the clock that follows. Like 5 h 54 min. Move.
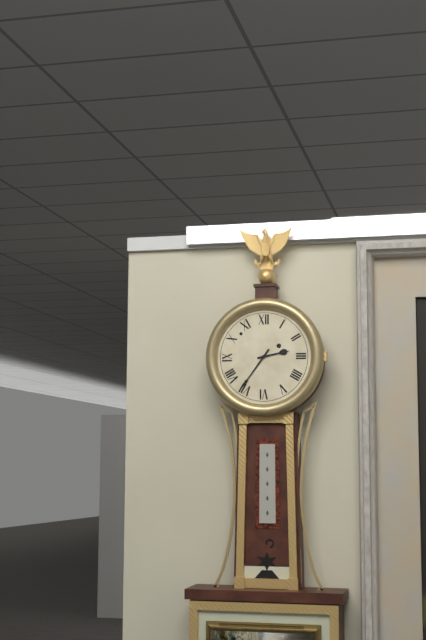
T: 2 h 36 min
